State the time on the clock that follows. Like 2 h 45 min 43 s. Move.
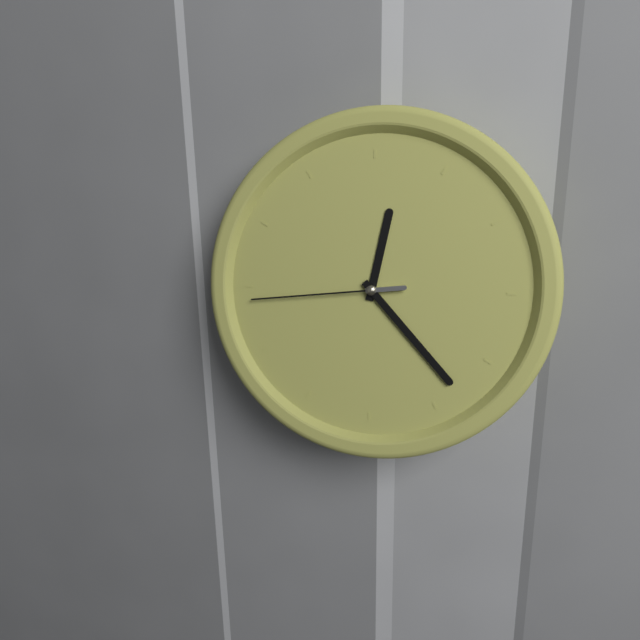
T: 12 h 23 min 44 s
